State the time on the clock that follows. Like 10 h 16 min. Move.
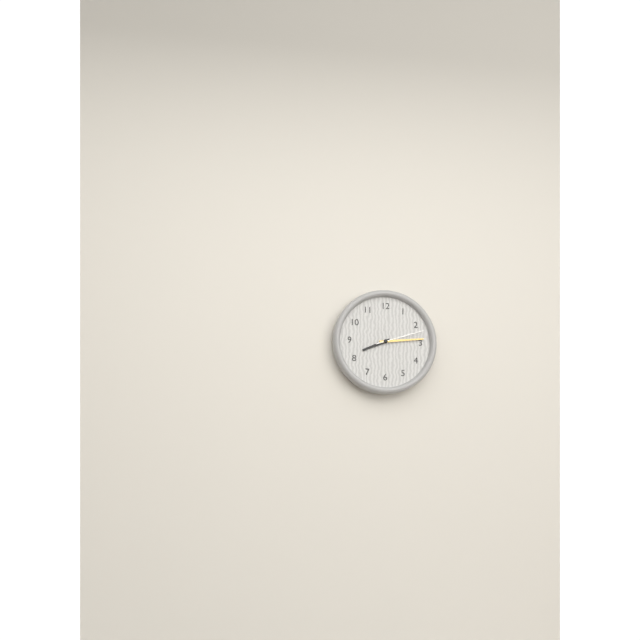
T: 8 h 14 min
